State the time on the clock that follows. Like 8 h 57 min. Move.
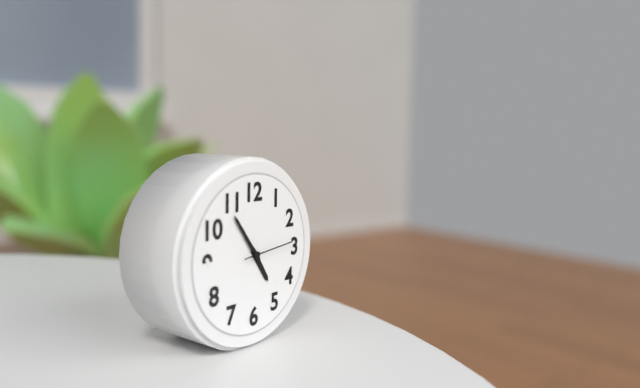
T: 4 h 54 min
